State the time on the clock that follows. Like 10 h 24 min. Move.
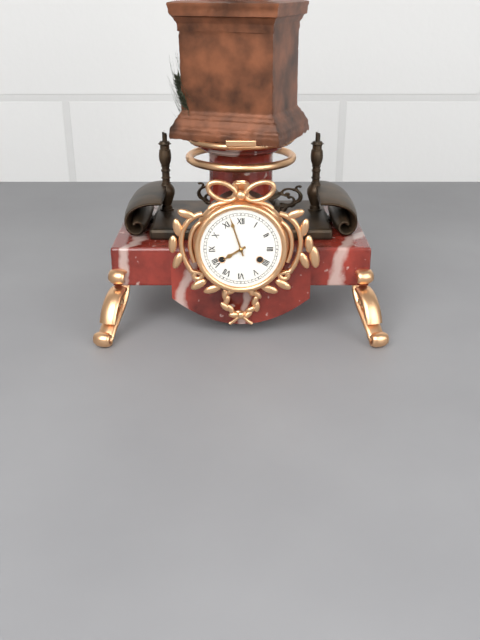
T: 7 h 57 min
